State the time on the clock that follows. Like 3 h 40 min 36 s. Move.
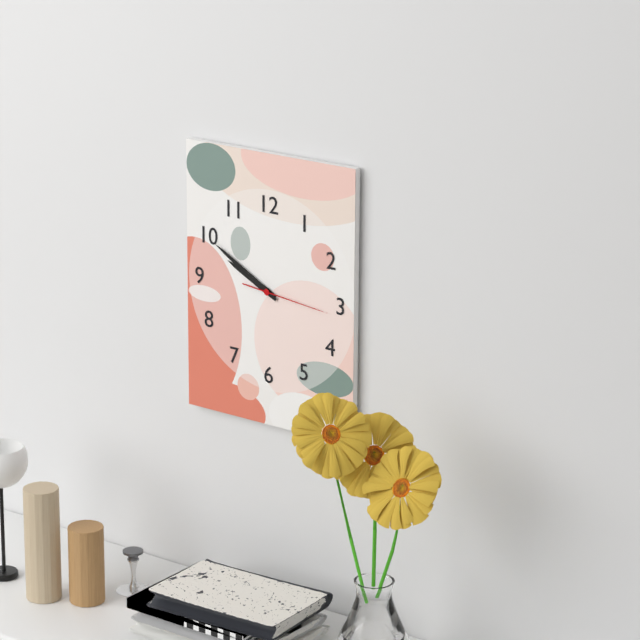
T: 9 h 50 min 16 s
